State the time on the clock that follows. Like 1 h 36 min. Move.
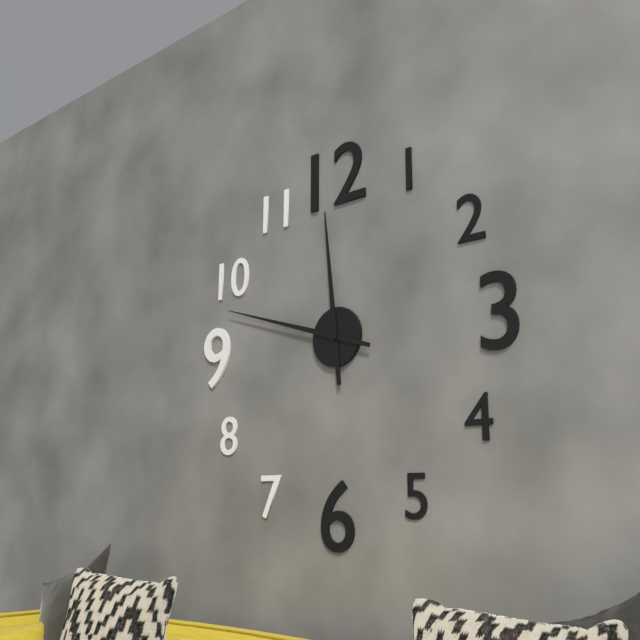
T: 11 h 48 min
